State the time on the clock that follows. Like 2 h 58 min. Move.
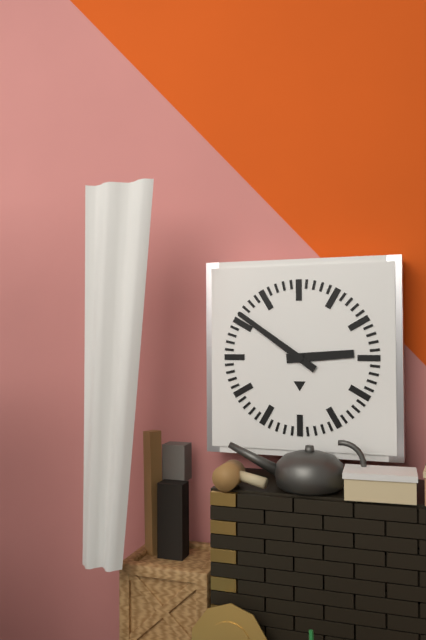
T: 2 h 51 min
